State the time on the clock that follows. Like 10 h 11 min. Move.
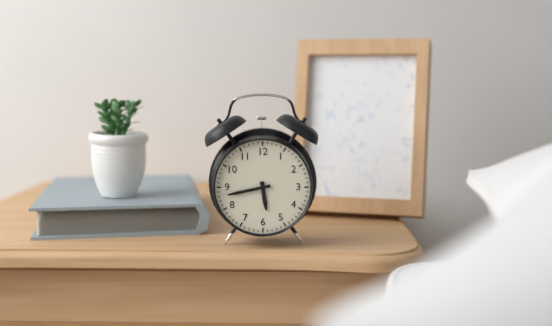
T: 5 h 43 min
